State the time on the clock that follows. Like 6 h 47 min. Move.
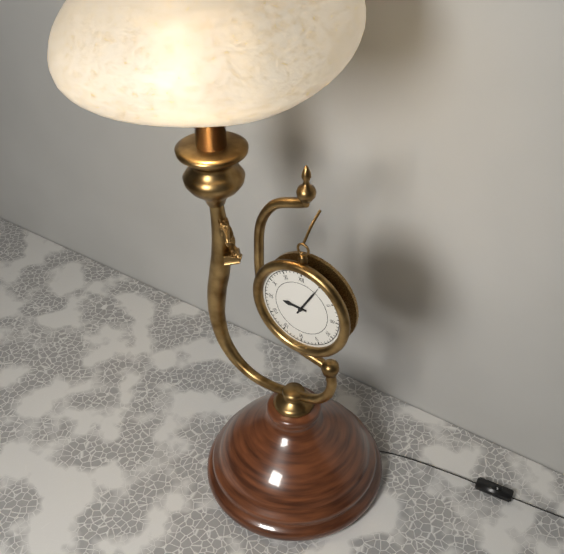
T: 9 h 05 min
